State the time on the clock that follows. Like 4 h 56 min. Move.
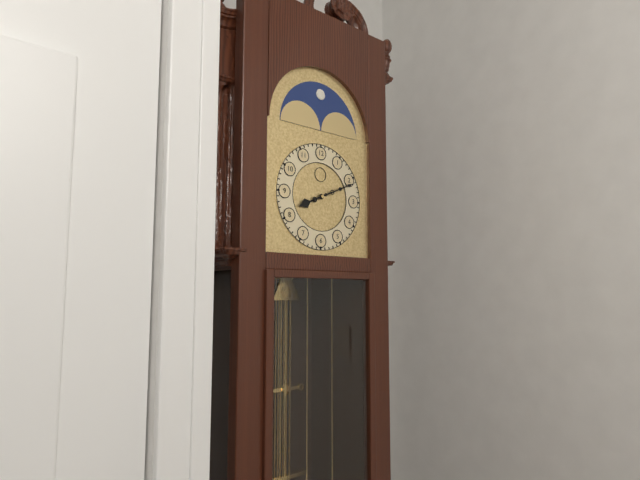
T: 8 h 11 min
